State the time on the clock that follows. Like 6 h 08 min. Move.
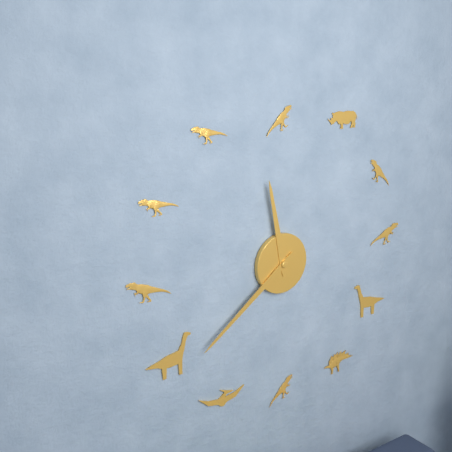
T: 11 h 39 min
